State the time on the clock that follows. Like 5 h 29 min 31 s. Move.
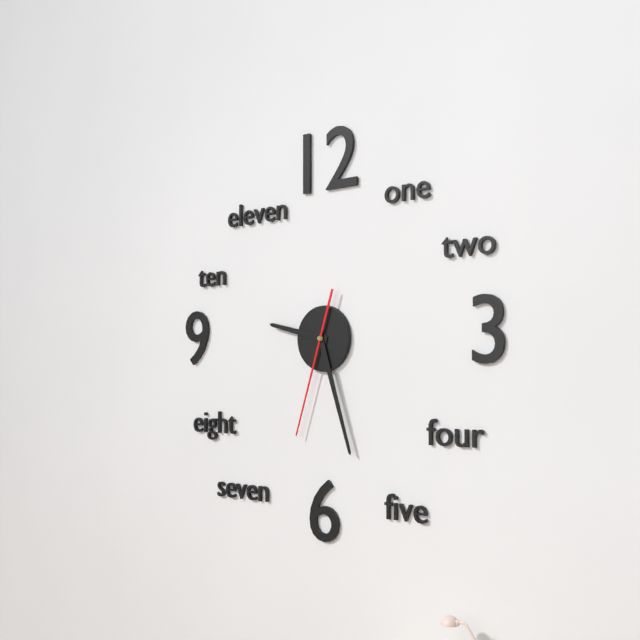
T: 9 h 27 min 33 s
